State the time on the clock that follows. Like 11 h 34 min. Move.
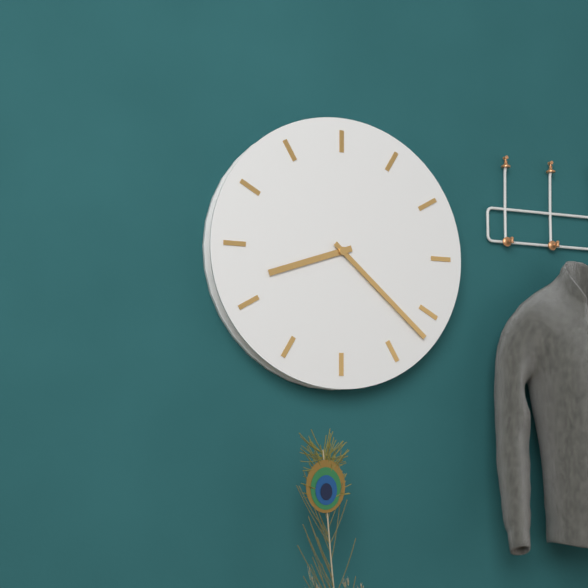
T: 8 h 22 min
